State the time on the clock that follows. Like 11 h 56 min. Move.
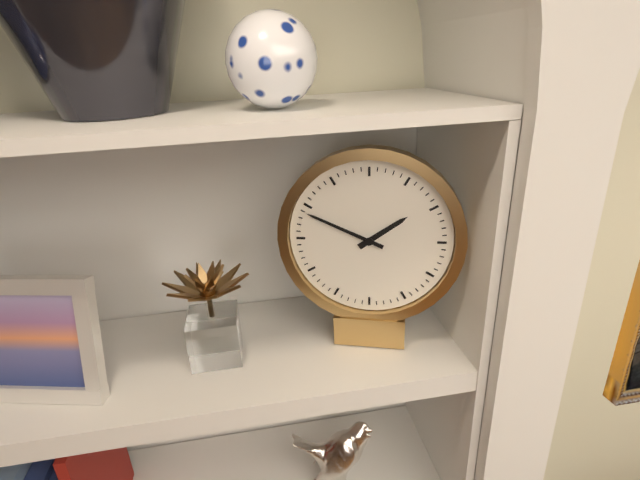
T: 1 h 49 min
